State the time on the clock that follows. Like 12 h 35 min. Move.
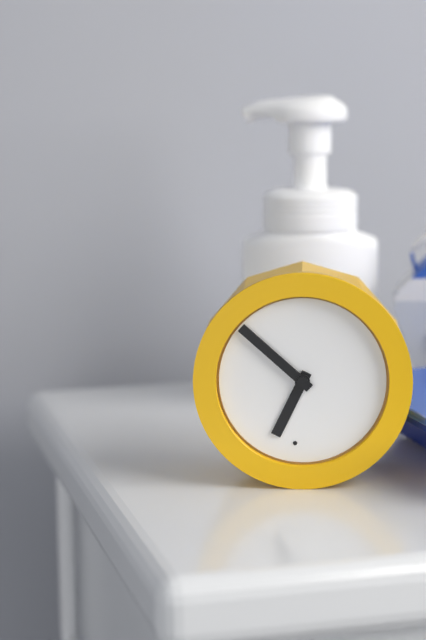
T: 6 h 52 min
